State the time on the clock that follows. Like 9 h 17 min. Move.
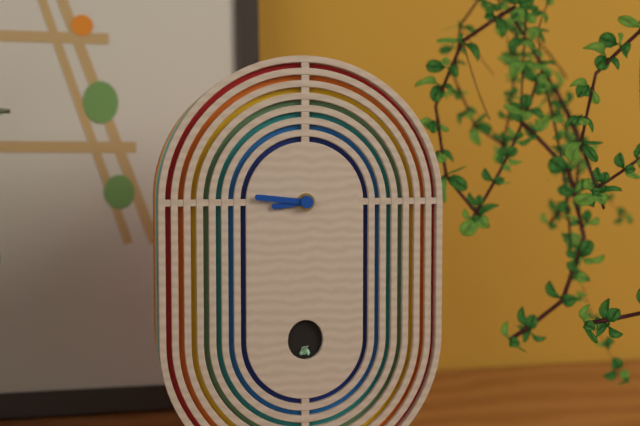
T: 8 h 46 min
